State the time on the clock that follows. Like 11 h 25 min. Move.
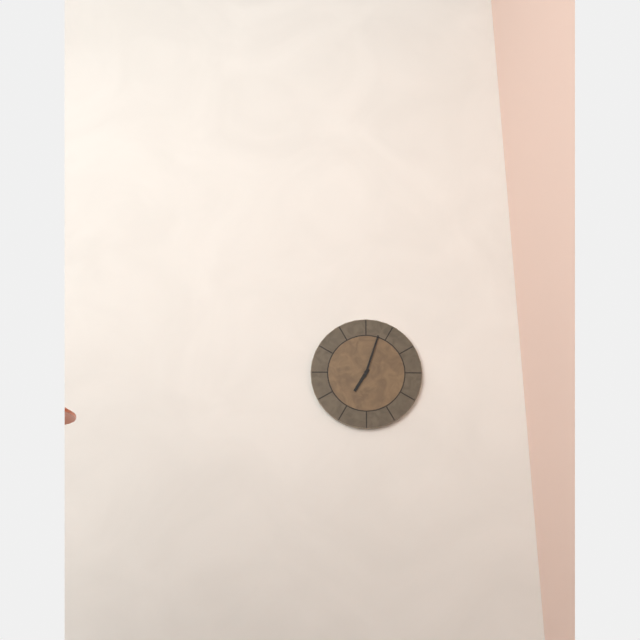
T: 7 h 03 min
